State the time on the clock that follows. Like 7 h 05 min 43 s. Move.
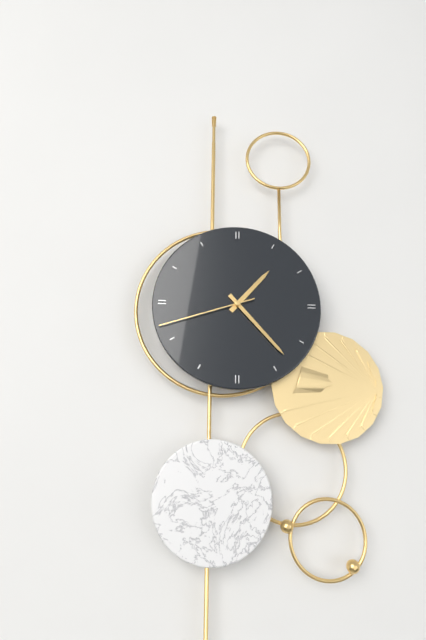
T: 1 h 23 min 42 s
